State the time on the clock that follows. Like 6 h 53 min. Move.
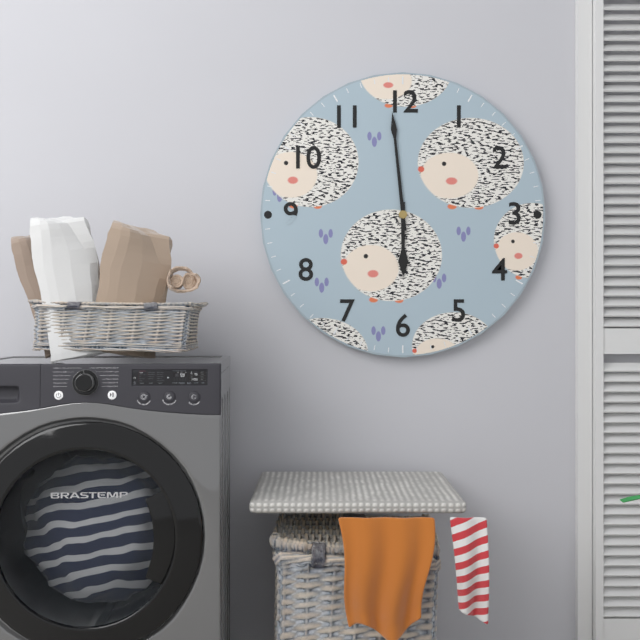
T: 5 h 59 min
